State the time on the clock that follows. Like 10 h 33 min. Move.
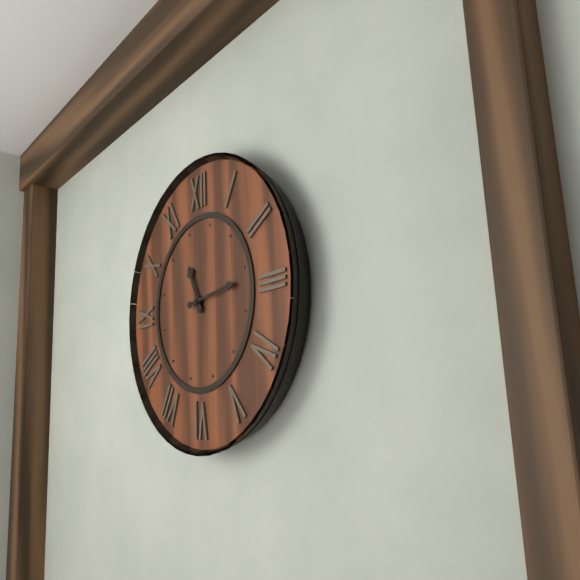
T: 11 h 14 min
